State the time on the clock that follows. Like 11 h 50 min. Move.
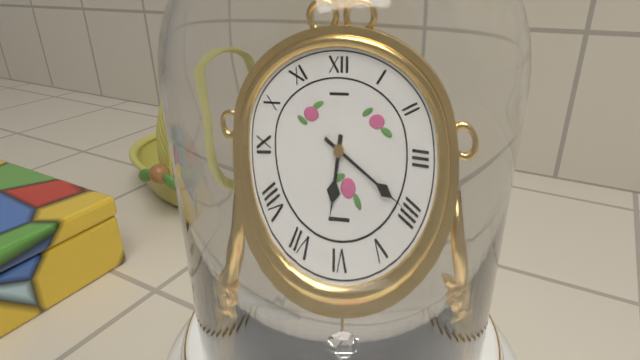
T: 6 h 20 min
